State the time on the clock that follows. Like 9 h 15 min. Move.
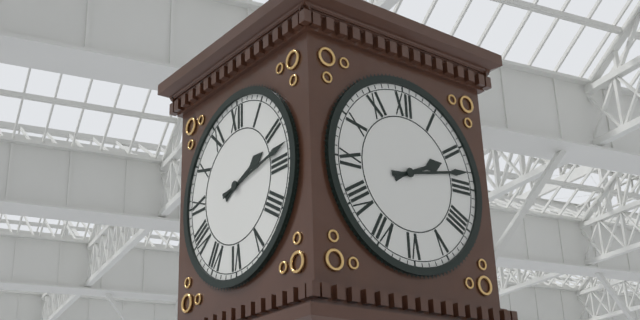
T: 2 h 13 min
